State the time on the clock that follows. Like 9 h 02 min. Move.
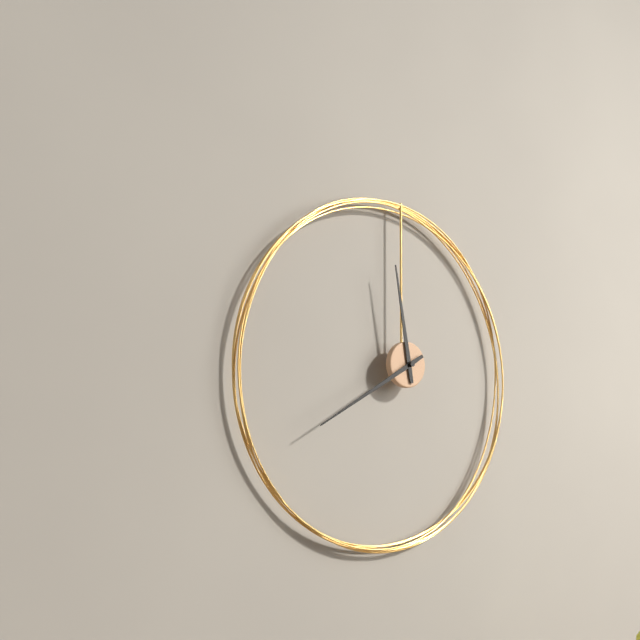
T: 11 h 40 min
